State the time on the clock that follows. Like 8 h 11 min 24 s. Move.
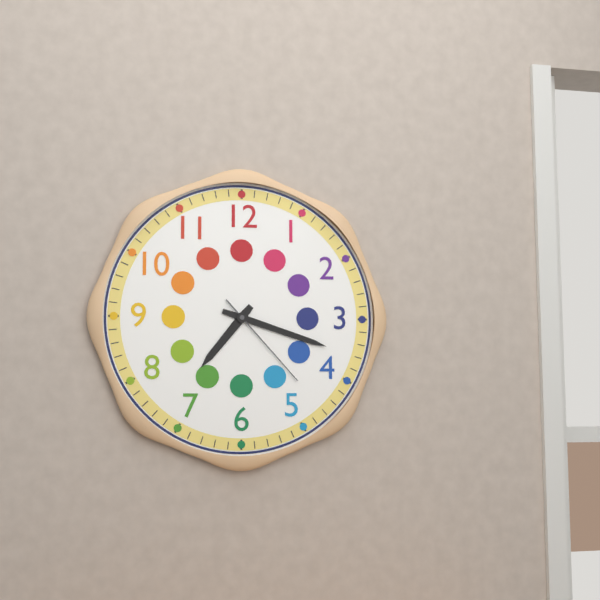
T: 7 h 18 min 23 s
